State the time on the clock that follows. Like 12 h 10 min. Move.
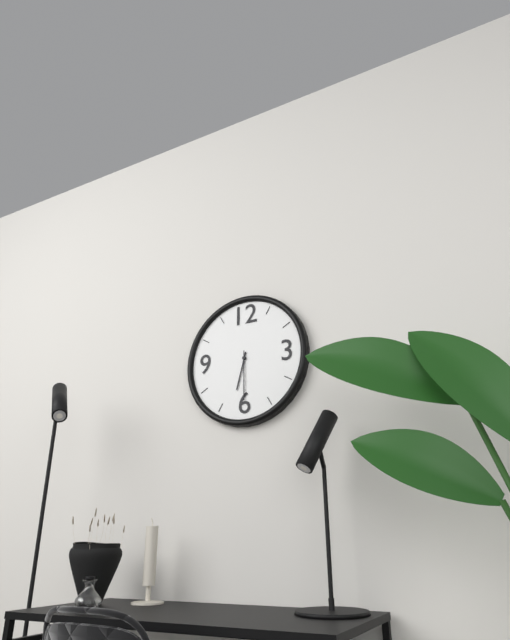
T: 6 h 30 min
